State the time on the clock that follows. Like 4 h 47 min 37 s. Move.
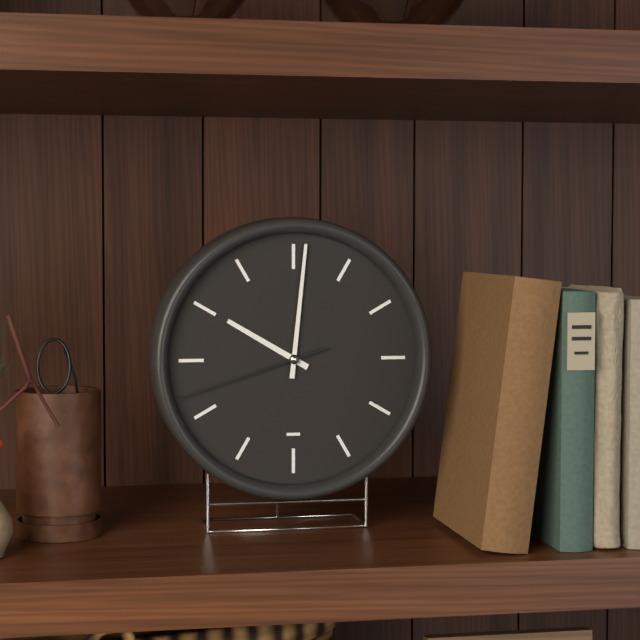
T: 10 h 01 min 42 s
